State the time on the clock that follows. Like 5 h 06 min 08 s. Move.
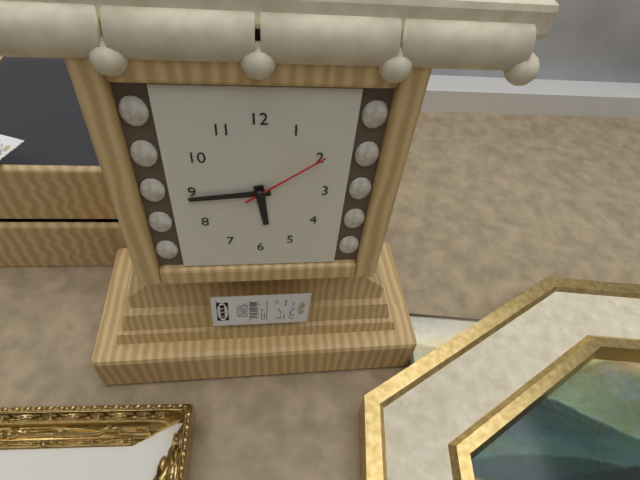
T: 5 h 44 min 09 s
